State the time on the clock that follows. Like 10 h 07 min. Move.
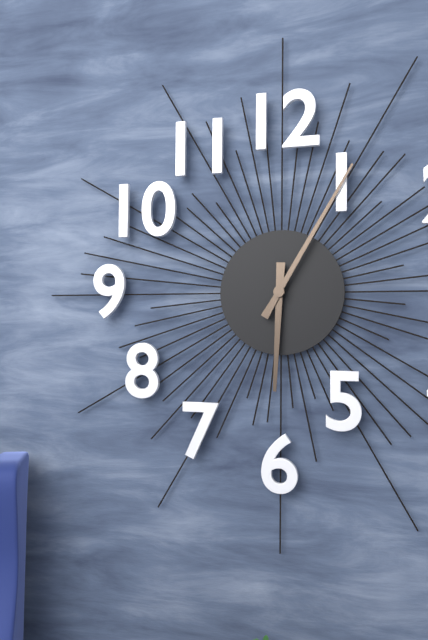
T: 6 h 05 min
